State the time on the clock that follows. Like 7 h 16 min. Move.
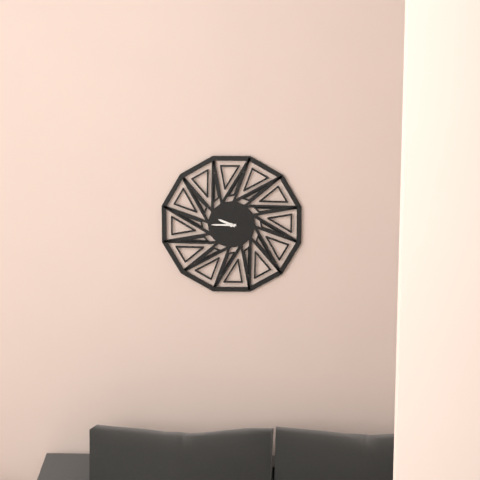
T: 9 h 45 min
